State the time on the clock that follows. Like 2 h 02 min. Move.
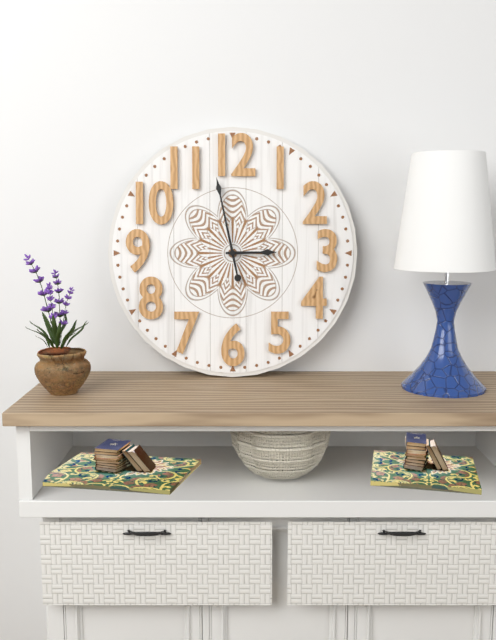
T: 2 h 58 min
